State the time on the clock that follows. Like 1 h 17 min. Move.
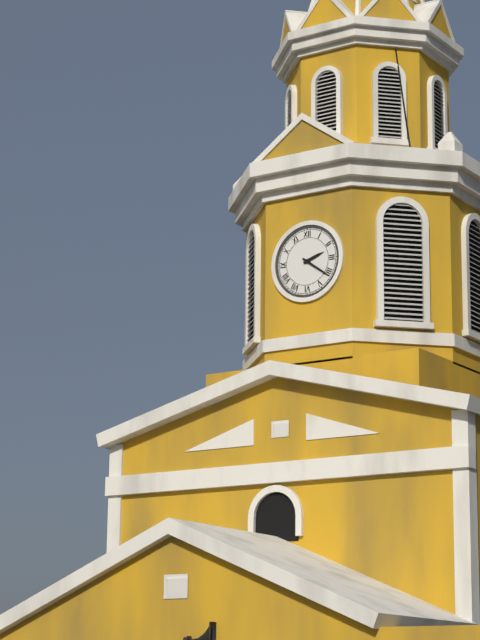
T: 2 h 21 min
